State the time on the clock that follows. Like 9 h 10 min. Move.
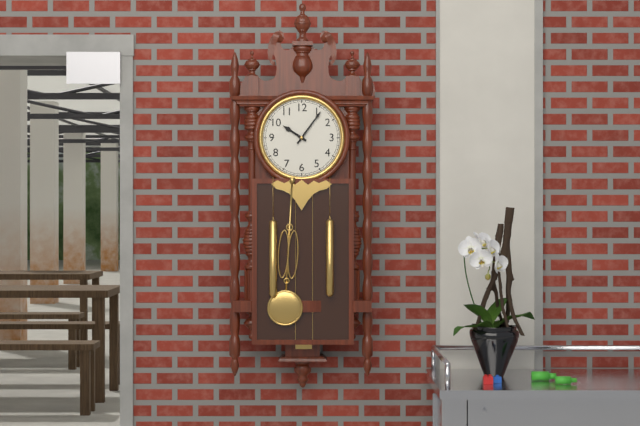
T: 10 h 06 min
